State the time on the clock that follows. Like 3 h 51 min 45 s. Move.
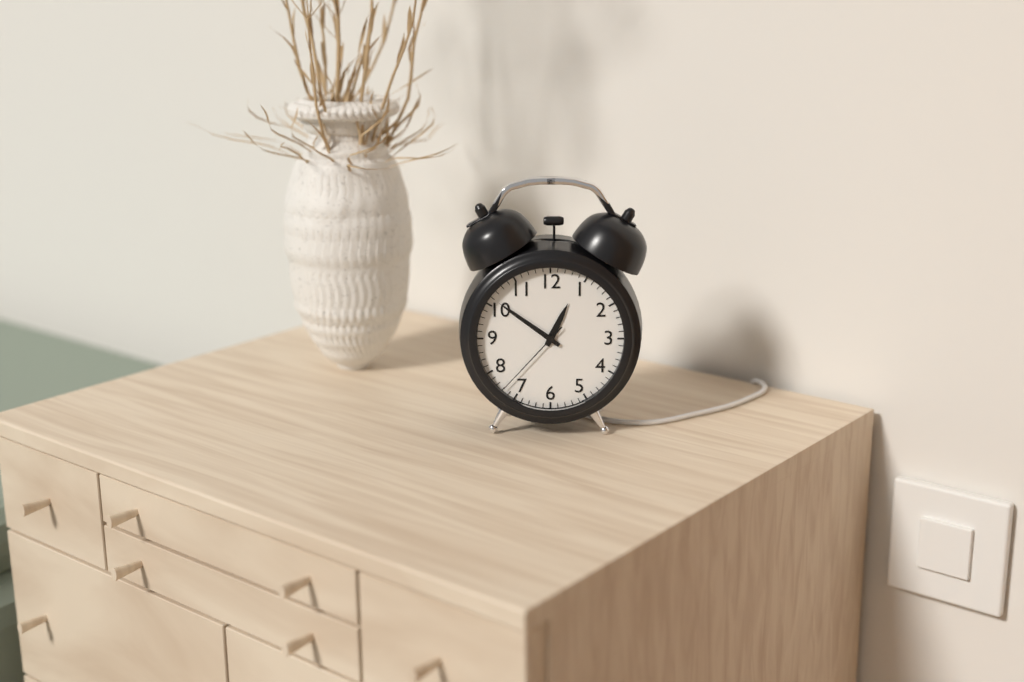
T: 12 h 51 min 37 s
